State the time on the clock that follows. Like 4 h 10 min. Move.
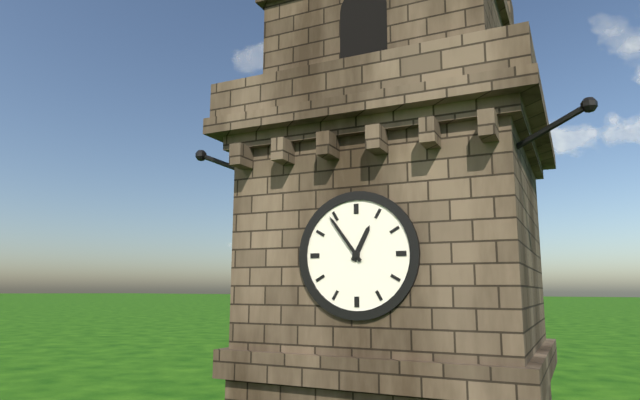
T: 12 h 54 min
